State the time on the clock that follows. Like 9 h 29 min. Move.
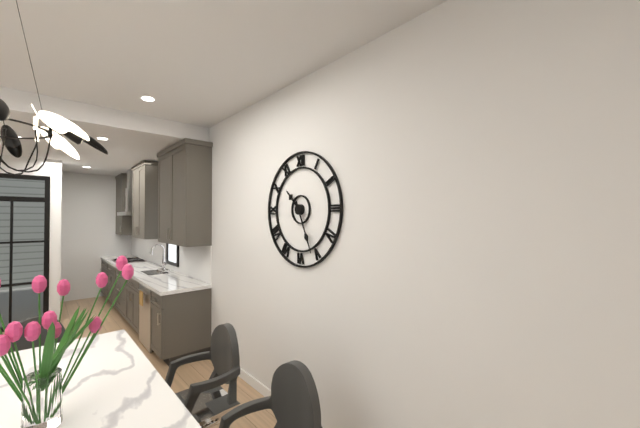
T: 10 h 26 min
